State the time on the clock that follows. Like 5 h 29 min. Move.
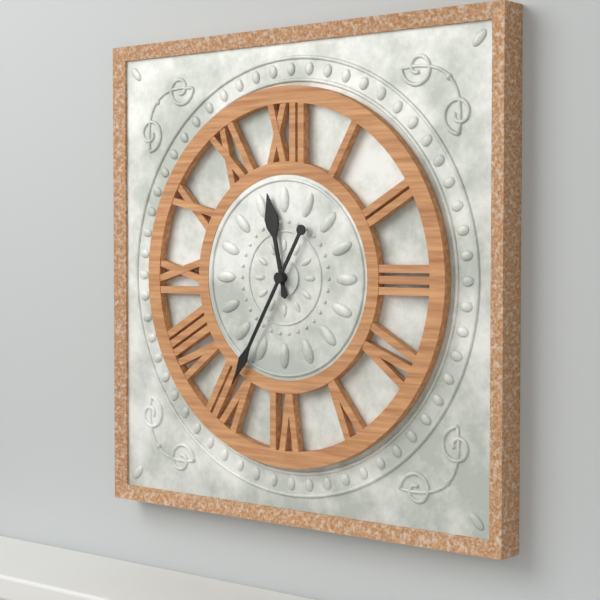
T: 11 h 35 min
